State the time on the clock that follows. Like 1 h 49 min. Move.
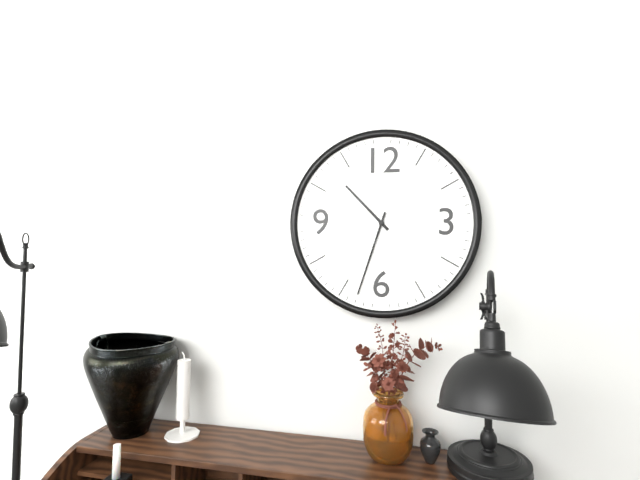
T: 10 h 33 min
